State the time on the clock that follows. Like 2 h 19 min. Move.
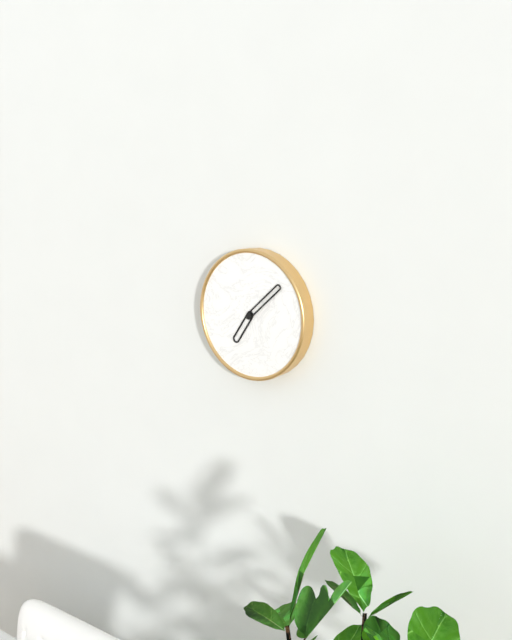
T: 7 h 08 min
